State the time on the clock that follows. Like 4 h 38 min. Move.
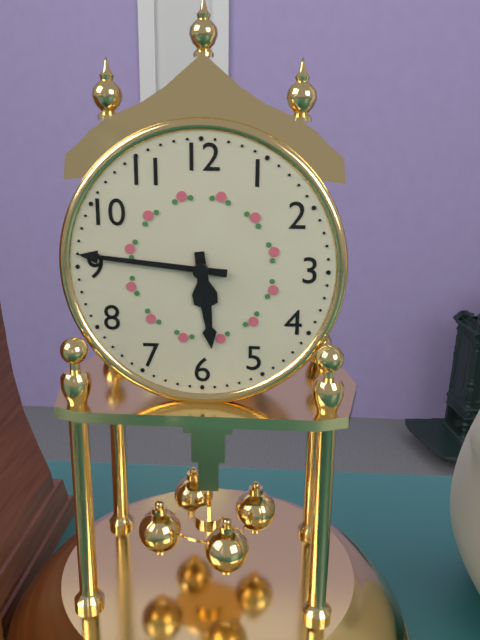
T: 5 h 46 min
